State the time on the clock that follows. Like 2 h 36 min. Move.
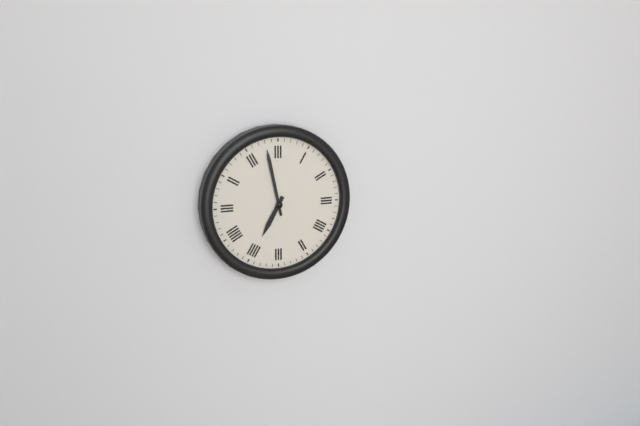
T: 6 h 58 min
